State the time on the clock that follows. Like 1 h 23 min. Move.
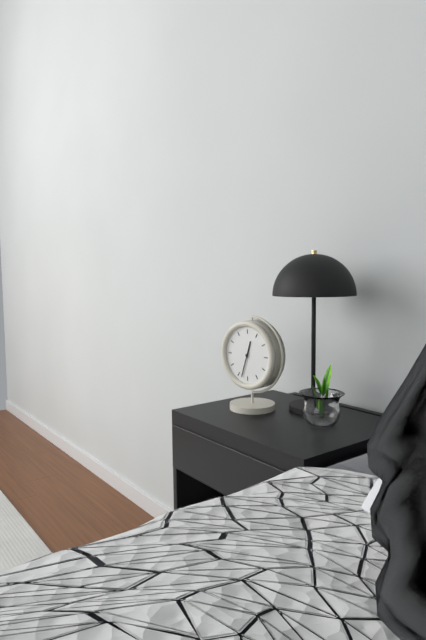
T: 12 h 33 min
